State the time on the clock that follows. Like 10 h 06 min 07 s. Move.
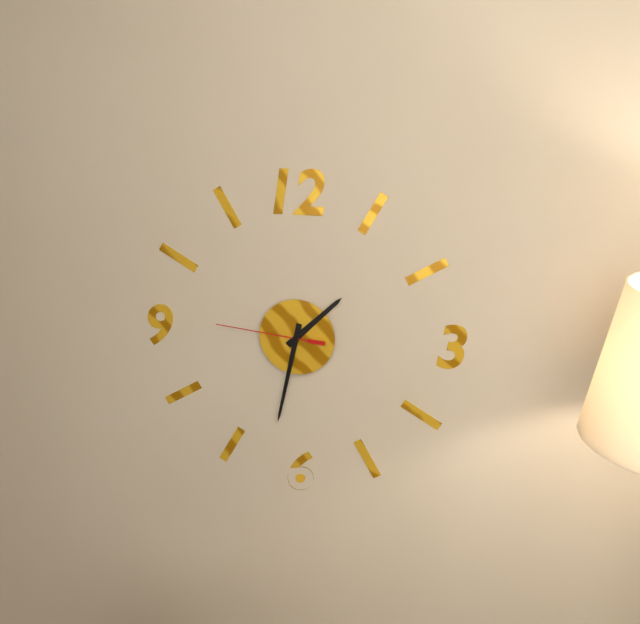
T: 1 h 32 min 46 s
